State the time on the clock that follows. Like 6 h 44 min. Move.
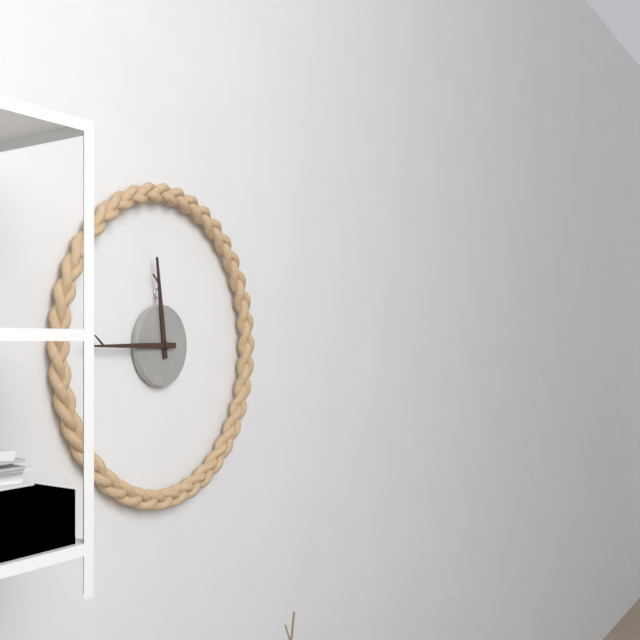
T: 11 h 45 min
